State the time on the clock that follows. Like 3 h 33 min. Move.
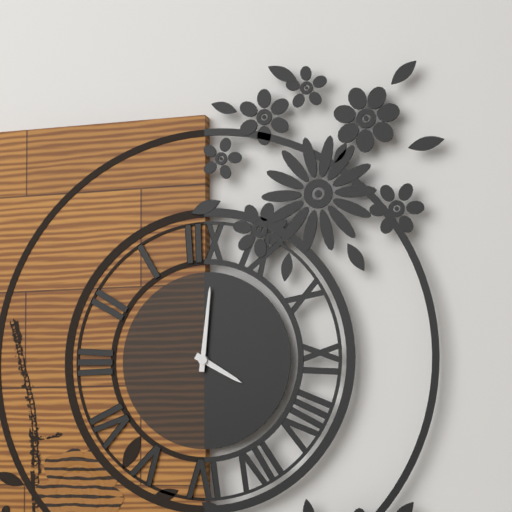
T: 4 h 01 min
